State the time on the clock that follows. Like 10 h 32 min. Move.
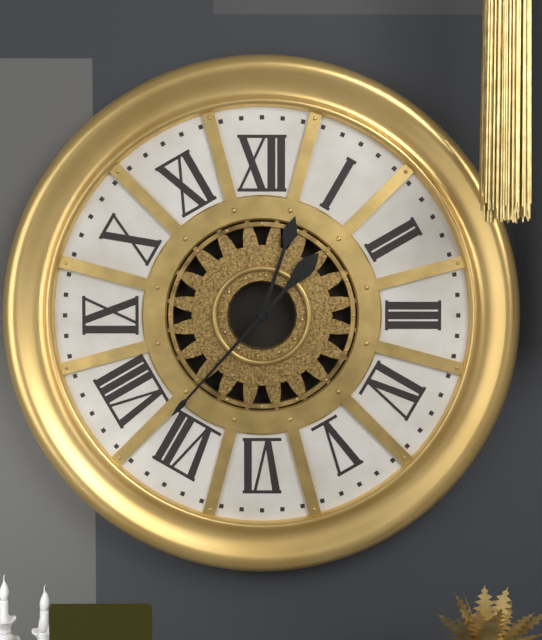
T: 12 h 37 min
